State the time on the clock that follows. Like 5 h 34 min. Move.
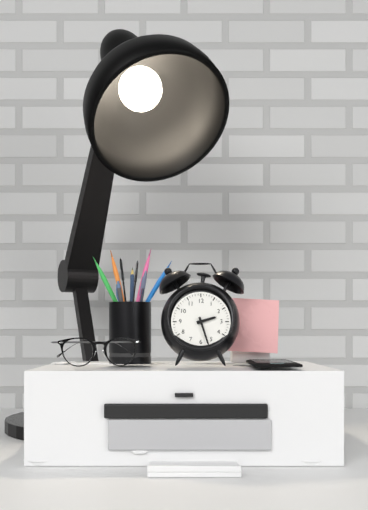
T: 2 h 27 min
